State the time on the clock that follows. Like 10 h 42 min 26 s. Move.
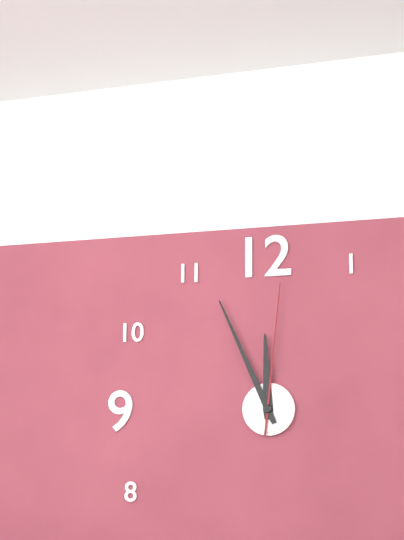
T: 11 h 56 min 01 s
